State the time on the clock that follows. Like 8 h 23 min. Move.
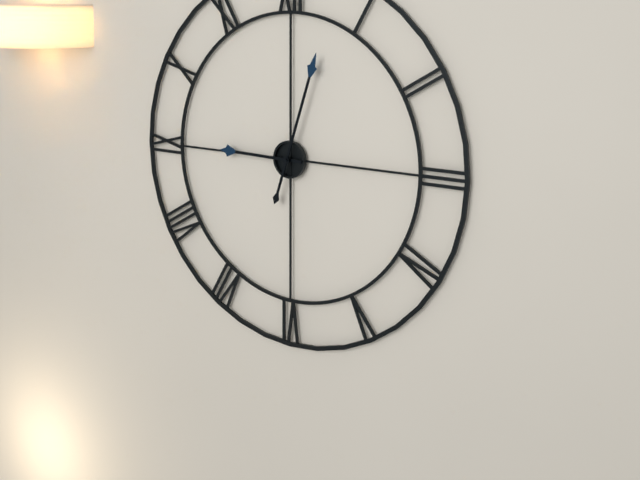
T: 9 h 03 min
